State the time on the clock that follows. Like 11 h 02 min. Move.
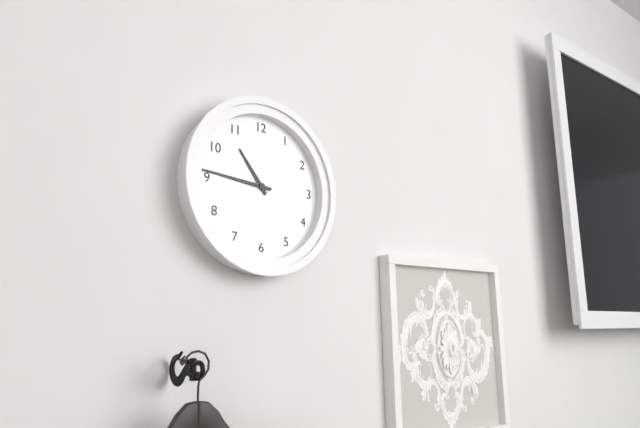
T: 10 h 46 min
